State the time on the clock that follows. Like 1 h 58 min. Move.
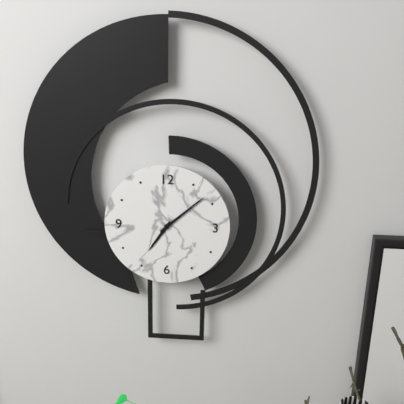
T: 7 h 08 min
